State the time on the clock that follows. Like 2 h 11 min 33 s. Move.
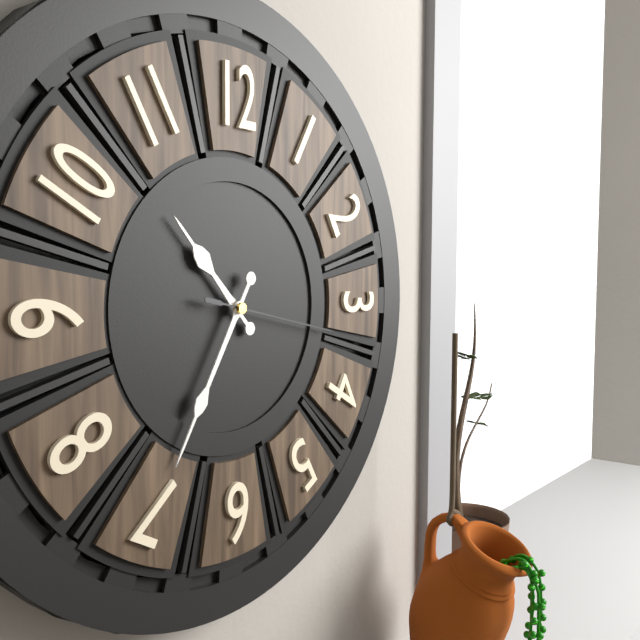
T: 10 h 35 min 17 s
